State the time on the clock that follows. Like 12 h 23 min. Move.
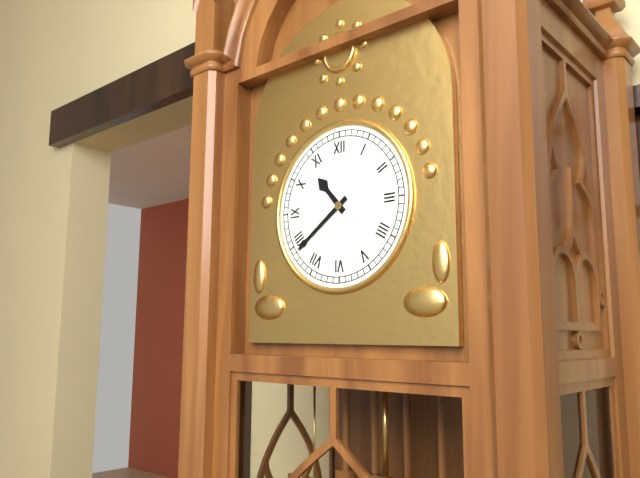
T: 10 h 39 min
